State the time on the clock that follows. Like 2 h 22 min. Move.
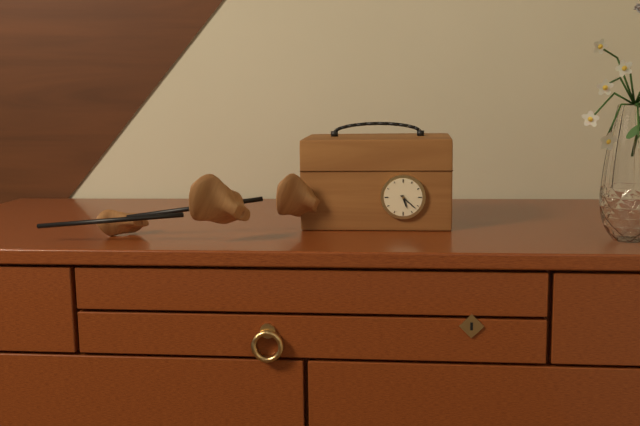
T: 5 h 22 min
